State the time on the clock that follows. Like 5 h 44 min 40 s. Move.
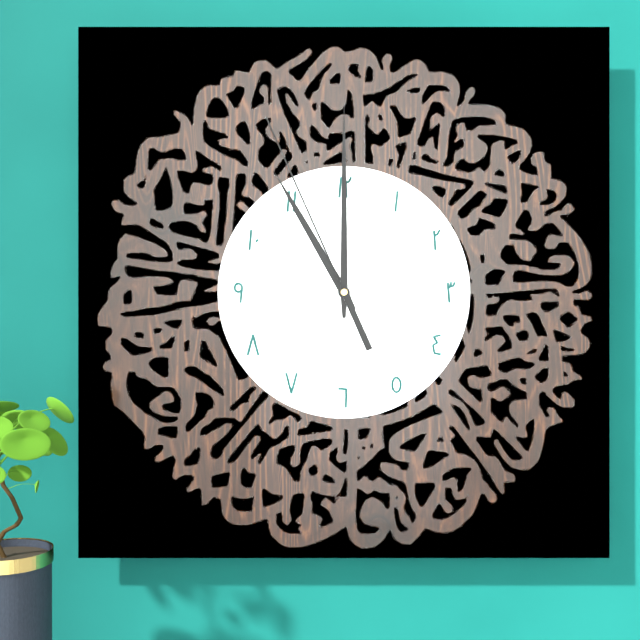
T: 11 h 00 min 56 s
